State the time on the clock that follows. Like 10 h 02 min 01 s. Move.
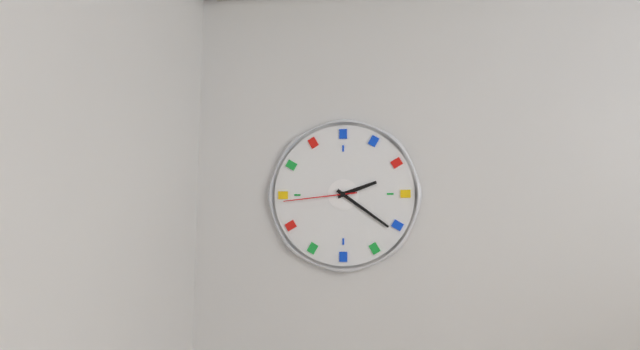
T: 2 h 21 min 44 s
